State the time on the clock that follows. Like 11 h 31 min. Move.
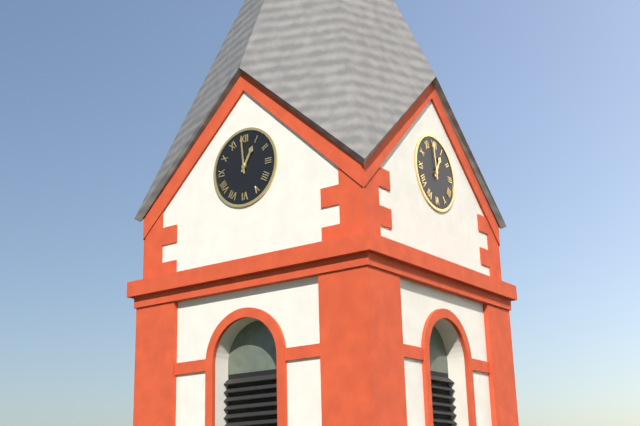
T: 12 h 59 min
